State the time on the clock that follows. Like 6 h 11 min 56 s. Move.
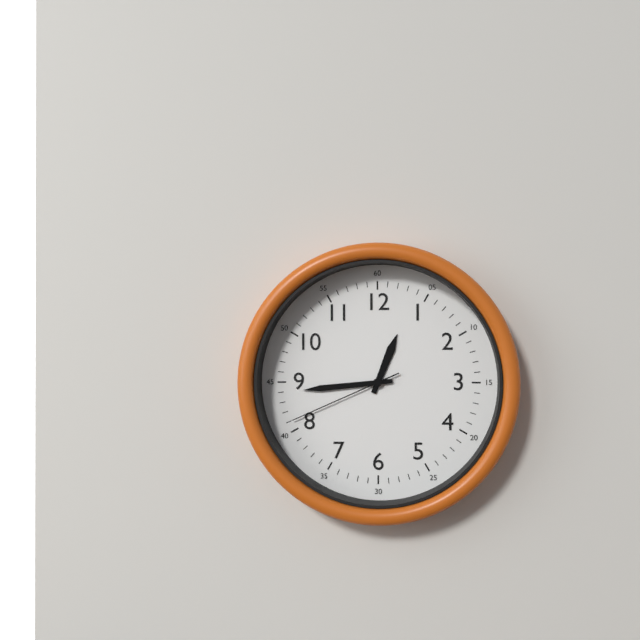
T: 12 h 44 min 41 s
